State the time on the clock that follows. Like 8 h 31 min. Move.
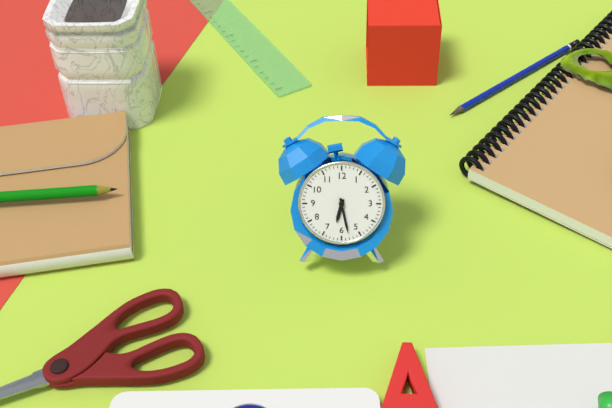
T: 6 h 28 min
